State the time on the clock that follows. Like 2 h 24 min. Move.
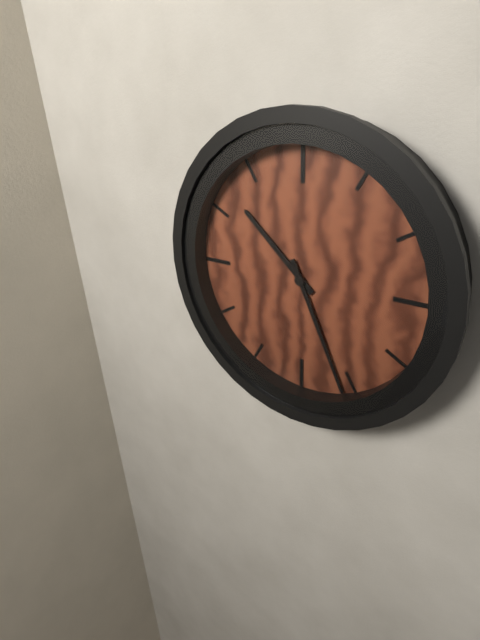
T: 10 h 26 min
